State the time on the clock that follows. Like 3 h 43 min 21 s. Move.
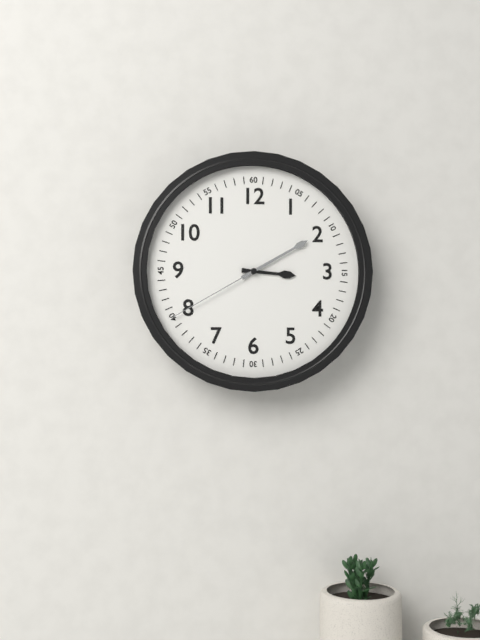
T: 3 h 10 min 40 s
